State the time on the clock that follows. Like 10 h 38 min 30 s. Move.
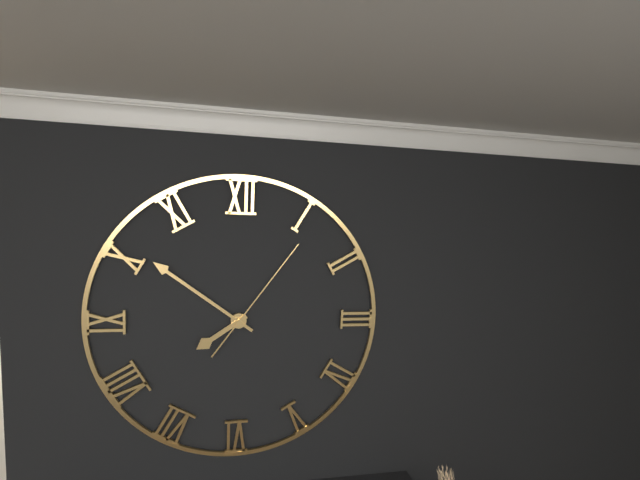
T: 7 h 51 min 06 s
